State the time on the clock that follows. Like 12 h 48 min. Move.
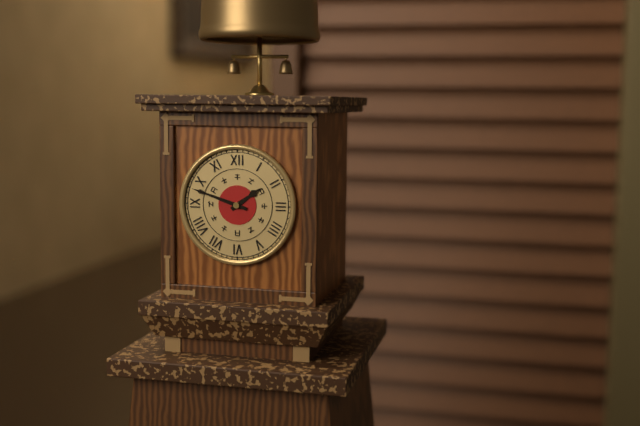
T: 1 h 48 min
